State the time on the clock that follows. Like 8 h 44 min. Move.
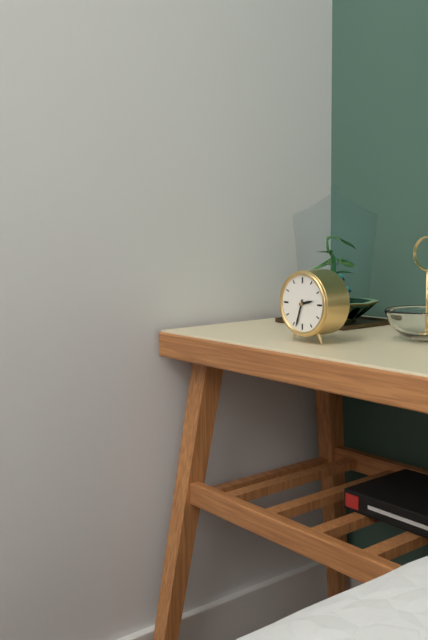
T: 2 h 33 min
